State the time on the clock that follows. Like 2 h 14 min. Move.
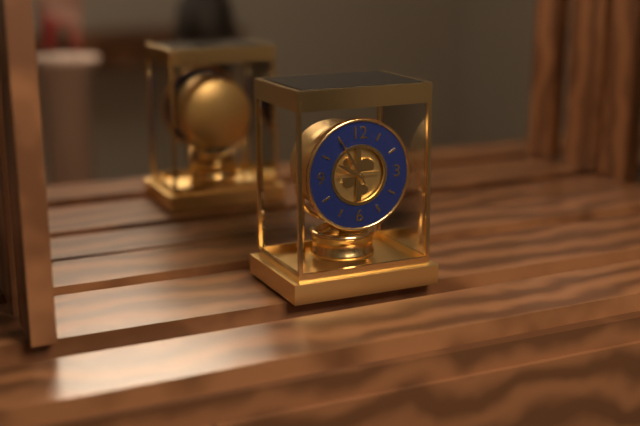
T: 9 h 55 min
